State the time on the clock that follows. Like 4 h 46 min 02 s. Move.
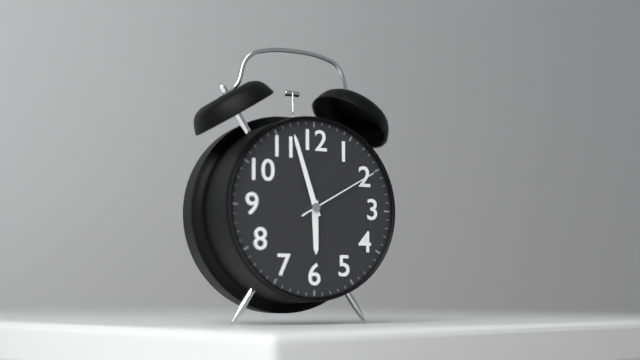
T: 5 h 57 min 10 s
